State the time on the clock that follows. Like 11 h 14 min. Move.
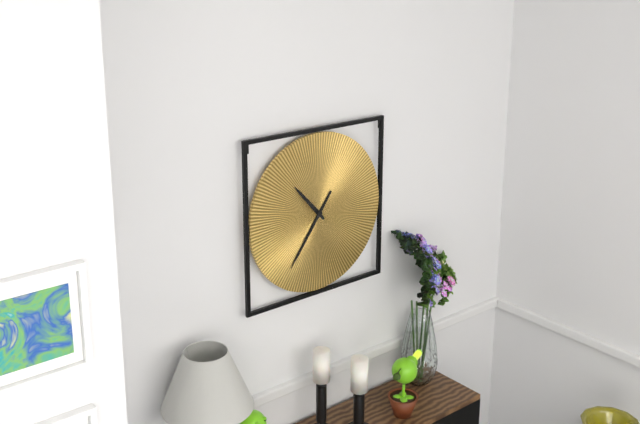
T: 10 h 36 min
